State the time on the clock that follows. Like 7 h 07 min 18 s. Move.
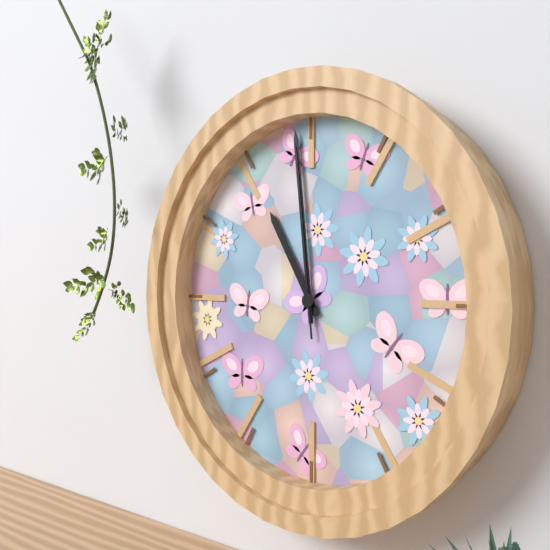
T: 10 h 59 min 59 s
